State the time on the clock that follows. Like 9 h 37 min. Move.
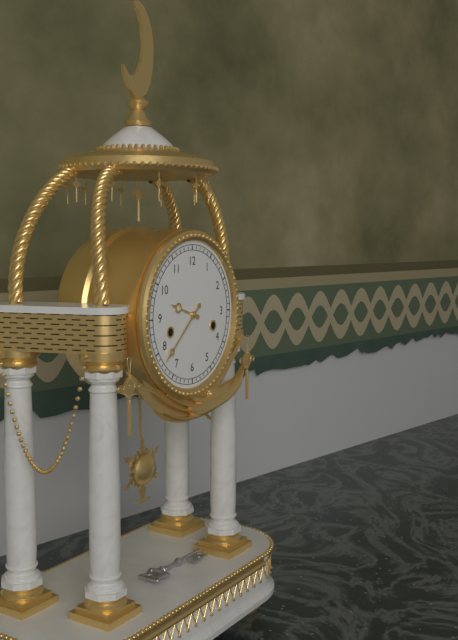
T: 9 h 38 min
